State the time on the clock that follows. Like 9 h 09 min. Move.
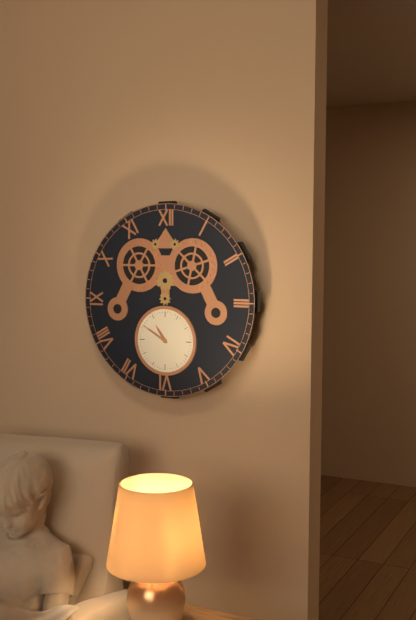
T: 10 h 50 min
